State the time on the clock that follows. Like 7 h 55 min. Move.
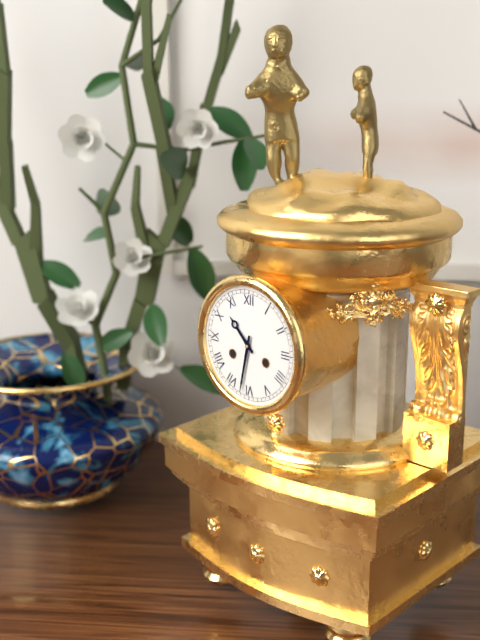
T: 10 h 32 min
